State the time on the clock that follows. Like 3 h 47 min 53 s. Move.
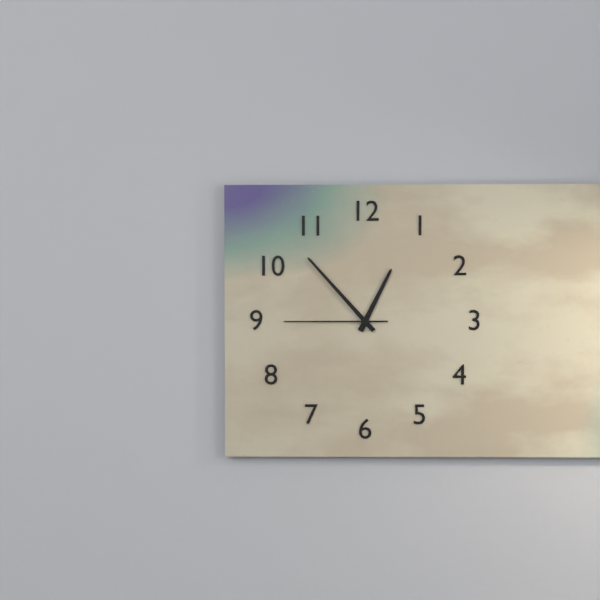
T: 12 h 53 min 45 s
